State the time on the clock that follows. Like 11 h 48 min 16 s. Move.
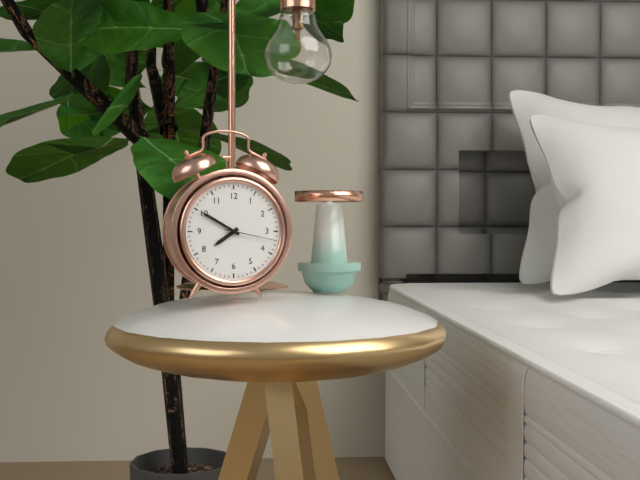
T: 7 h 50 min 17 s
